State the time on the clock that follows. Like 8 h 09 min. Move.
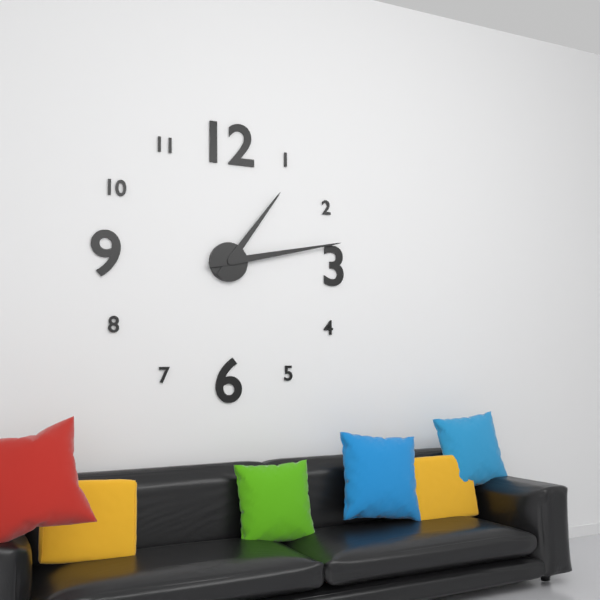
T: 1 h 13 min
